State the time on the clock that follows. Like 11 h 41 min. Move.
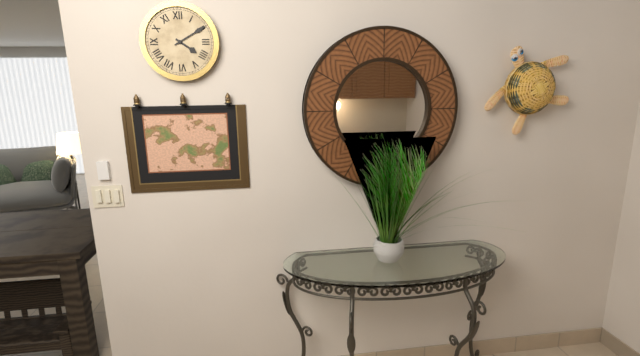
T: 4 h 10 min
